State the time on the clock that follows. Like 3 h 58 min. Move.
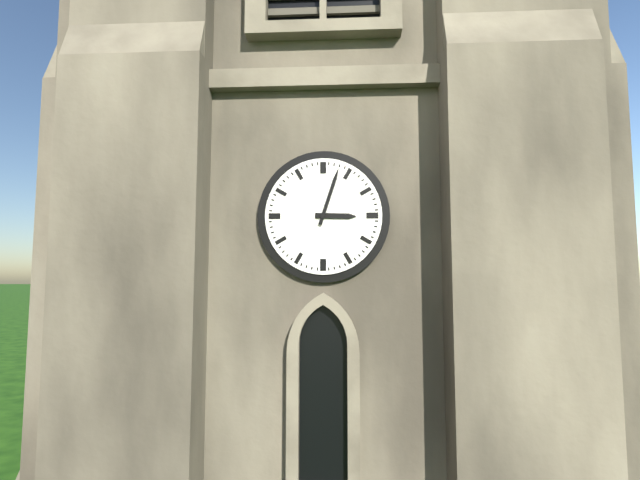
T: 3 h 03 min
